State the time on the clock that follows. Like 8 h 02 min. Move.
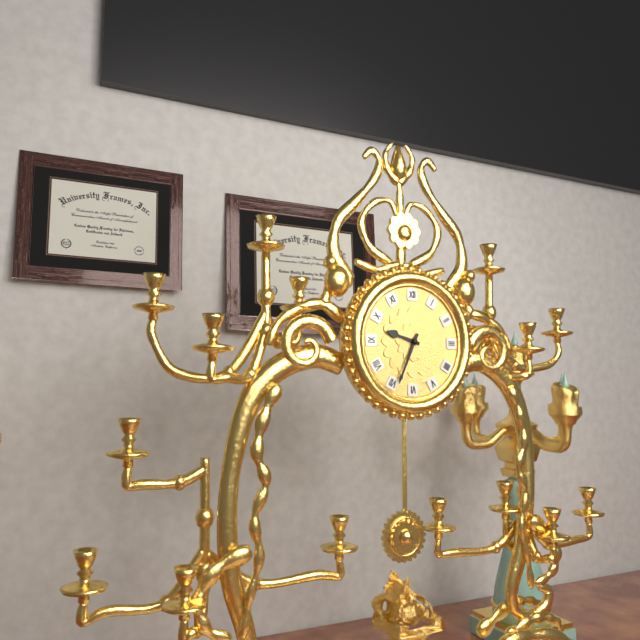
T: 9 h 34 min
